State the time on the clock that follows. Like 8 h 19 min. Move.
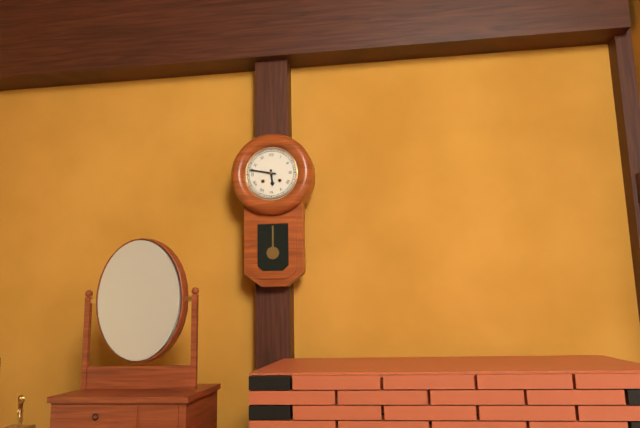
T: 5 h 47 min
